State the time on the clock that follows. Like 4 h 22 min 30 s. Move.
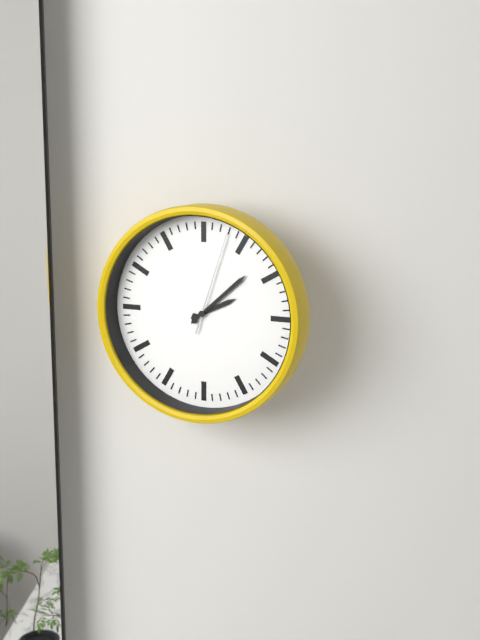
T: 2 h 08 min 03 s
